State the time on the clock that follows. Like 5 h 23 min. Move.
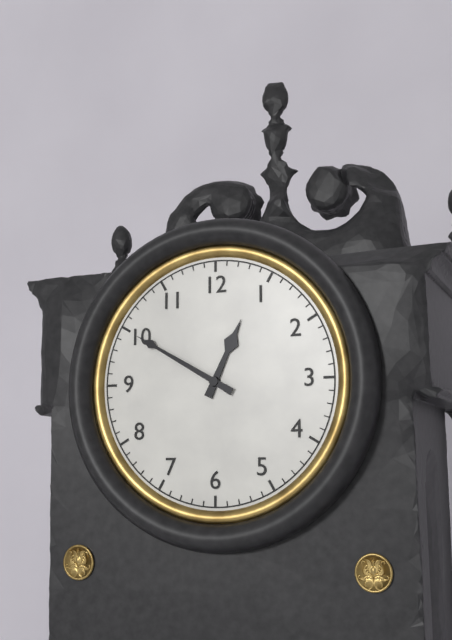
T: 12 h 50 min
